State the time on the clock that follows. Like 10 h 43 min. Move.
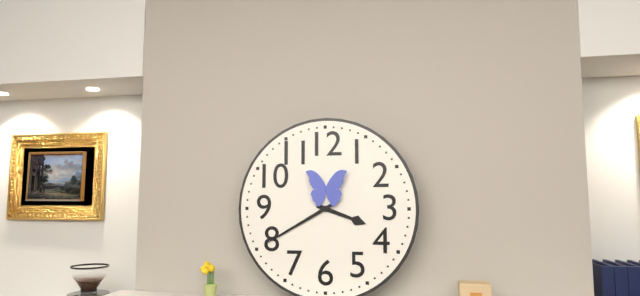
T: 3 h 40 min
